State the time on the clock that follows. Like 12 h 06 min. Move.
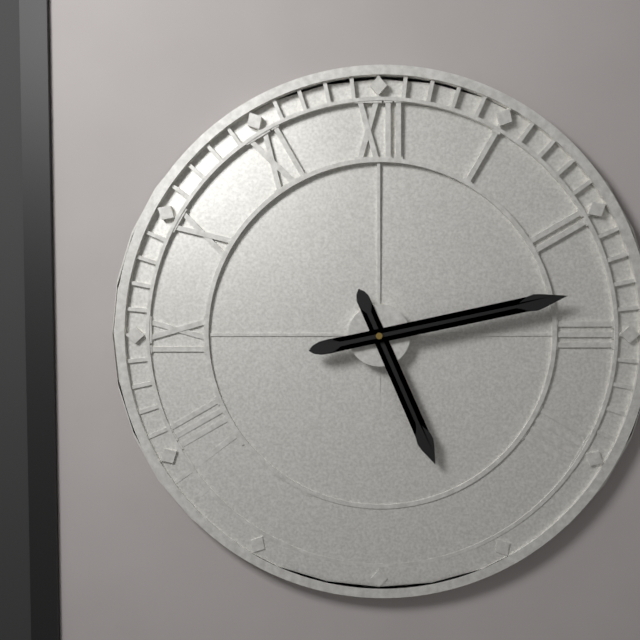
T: 5 h 13 min
